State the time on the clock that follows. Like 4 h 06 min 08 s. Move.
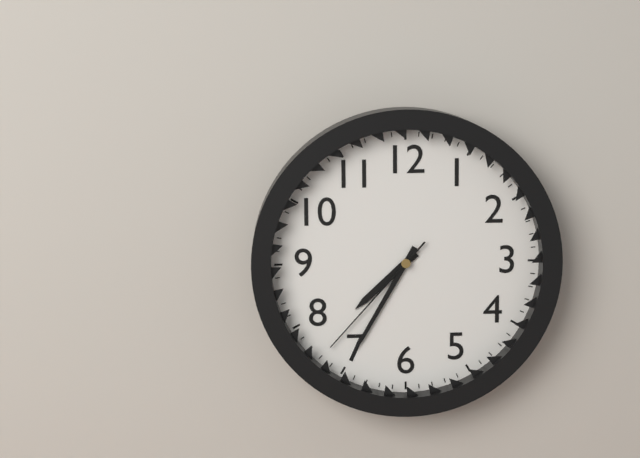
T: 7 h 35 min 37 s
